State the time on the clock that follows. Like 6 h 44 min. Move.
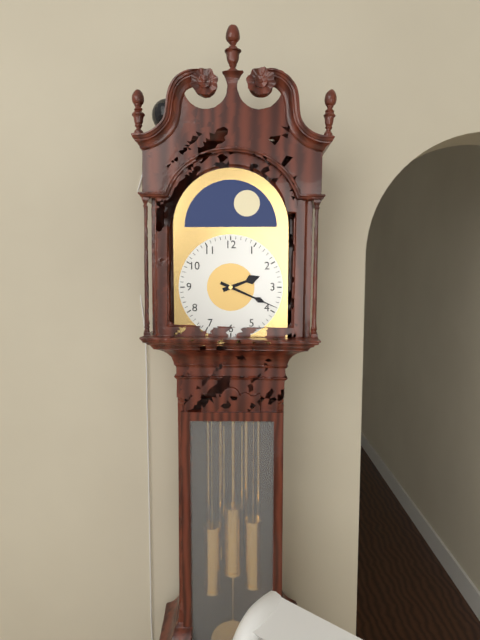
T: 2 h 19 min
